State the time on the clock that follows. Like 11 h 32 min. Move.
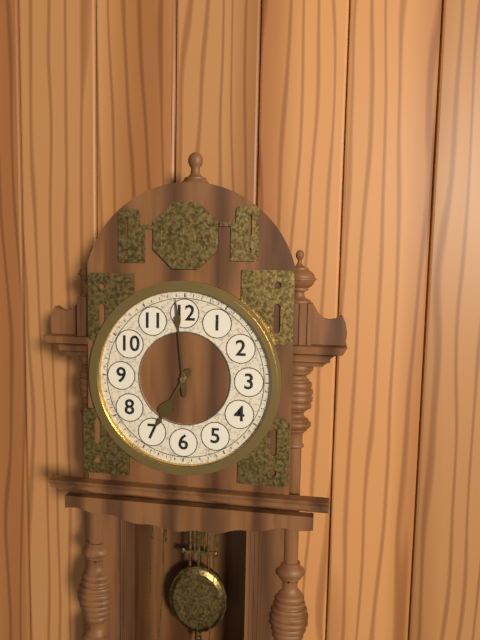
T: 6 h 59 min
